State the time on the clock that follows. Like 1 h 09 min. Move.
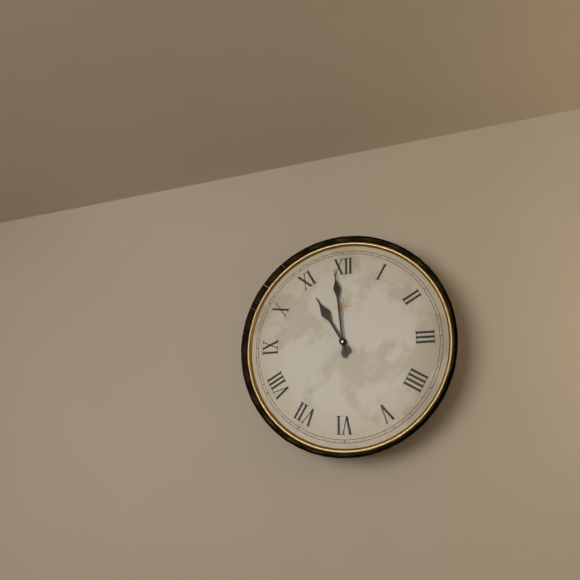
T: 10 h 59 min
